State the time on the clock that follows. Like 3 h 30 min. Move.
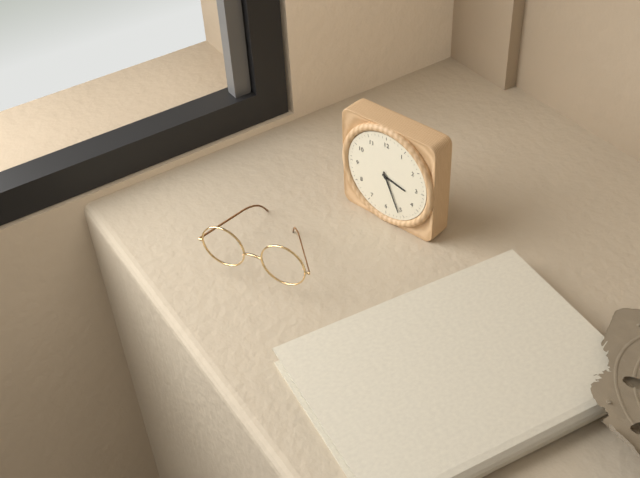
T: 3 h 26 min
